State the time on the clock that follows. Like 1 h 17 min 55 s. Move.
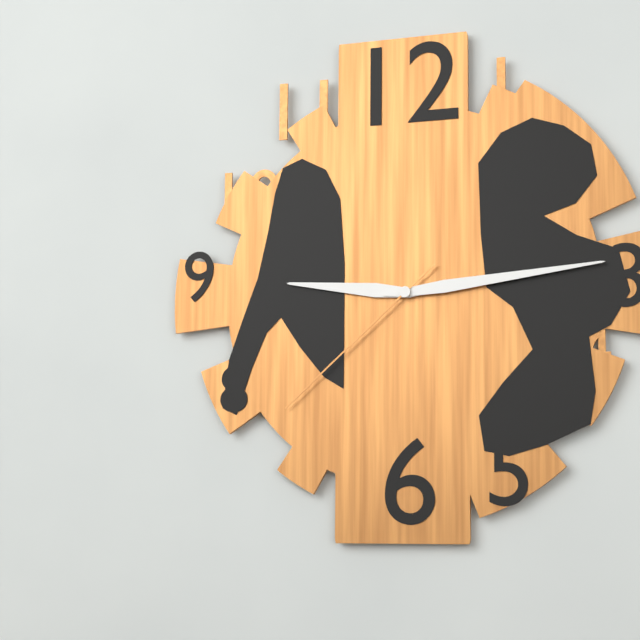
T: 9 h 14 min 38 s
